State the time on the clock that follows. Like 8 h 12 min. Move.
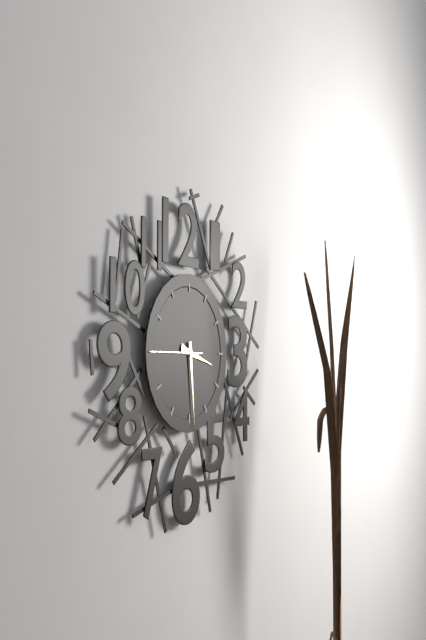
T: 3 h 29 min
